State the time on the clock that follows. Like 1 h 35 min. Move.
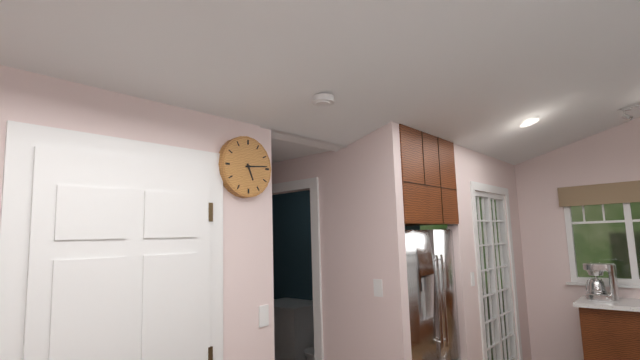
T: 5 h 14 min
